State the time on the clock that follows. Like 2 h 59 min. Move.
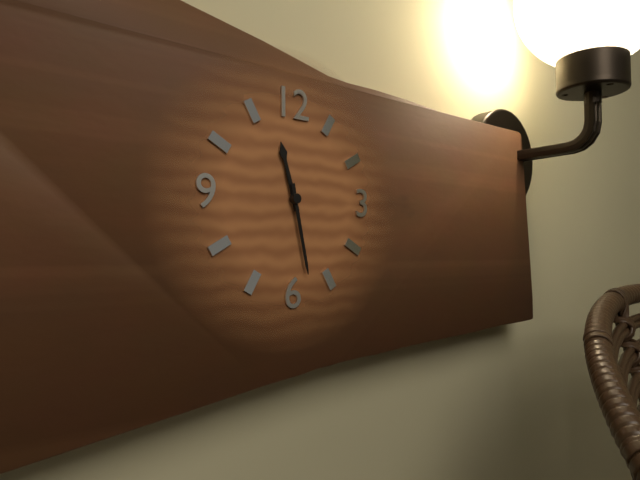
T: 11 h 28 min
